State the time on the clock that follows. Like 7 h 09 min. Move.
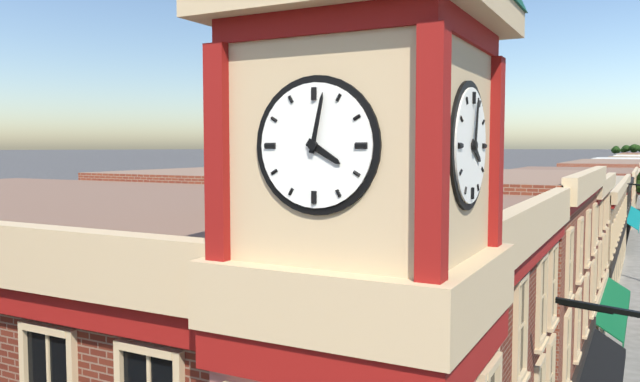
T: 4 h 02 min
